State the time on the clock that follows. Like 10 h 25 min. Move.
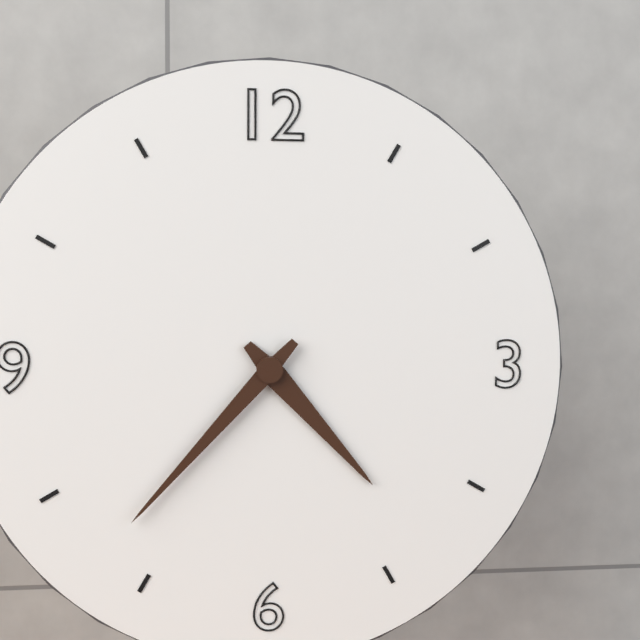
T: 4 h 37 min
